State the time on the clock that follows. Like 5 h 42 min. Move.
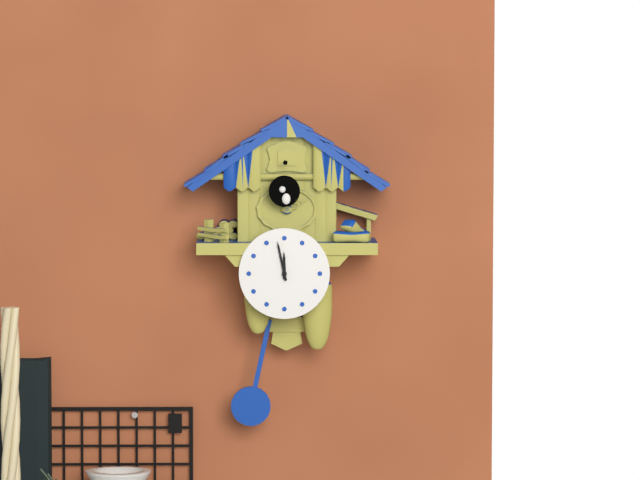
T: 11 h 58 min
